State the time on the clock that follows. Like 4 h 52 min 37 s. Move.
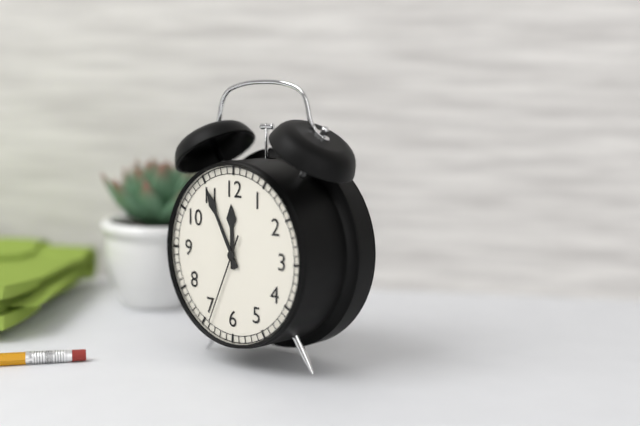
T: 11 h 55 min 34 s
